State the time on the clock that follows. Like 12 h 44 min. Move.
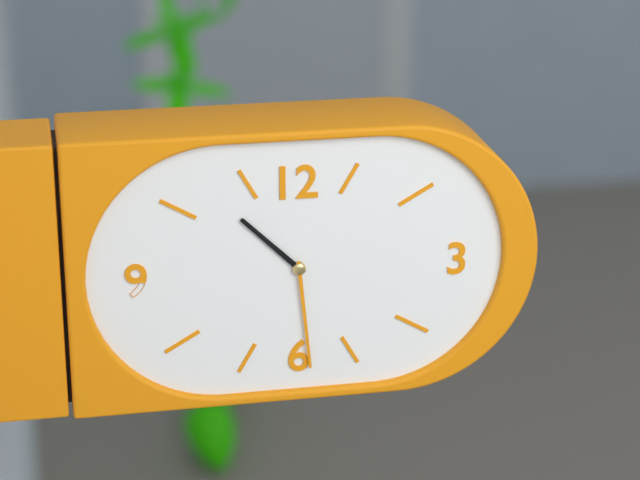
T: 10 h 29 min
